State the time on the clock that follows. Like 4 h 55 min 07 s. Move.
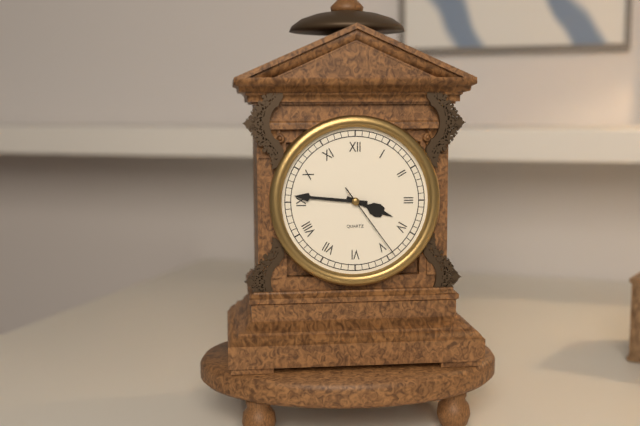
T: 3 h 46 min 24 s
